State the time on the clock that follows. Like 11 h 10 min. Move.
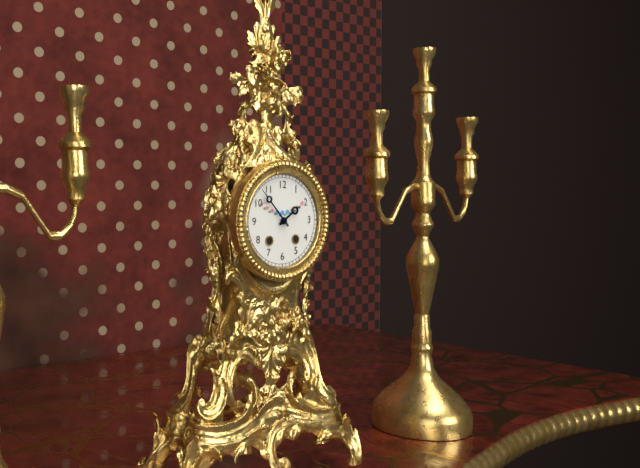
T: 1 h 53 min
